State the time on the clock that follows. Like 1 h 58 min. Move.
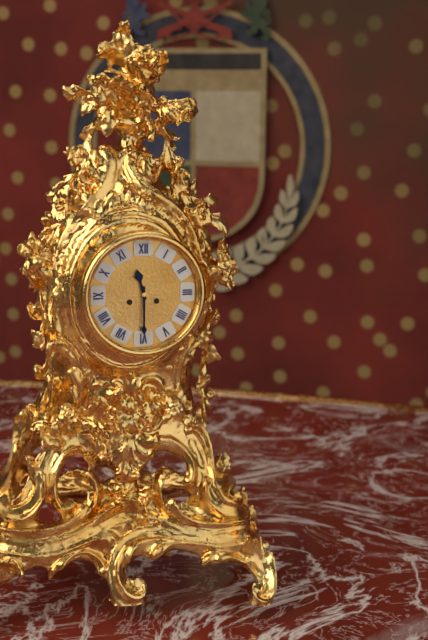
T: 11 h 30 min
